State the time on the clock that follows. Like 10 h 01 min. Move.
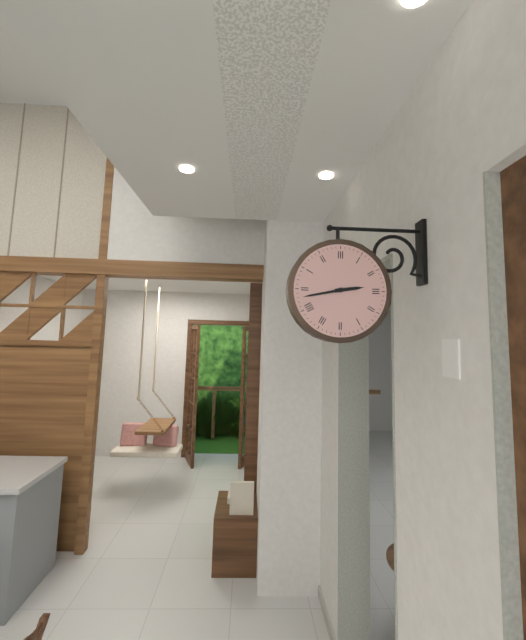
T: 2 h 43 min
